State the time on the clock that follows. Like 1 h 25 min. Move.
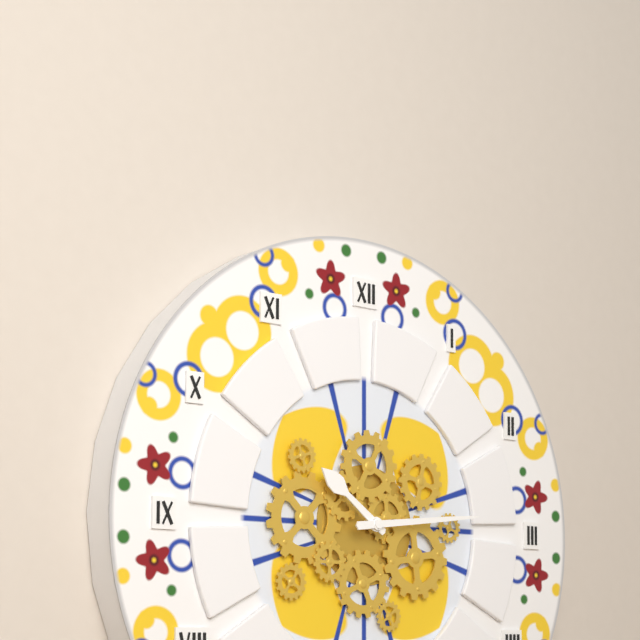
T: 10 h 14 min
